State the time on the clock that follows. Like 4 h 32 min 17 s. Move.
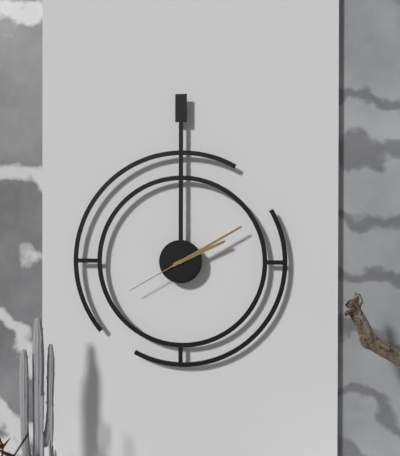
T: 2 h 10 min 40 s
